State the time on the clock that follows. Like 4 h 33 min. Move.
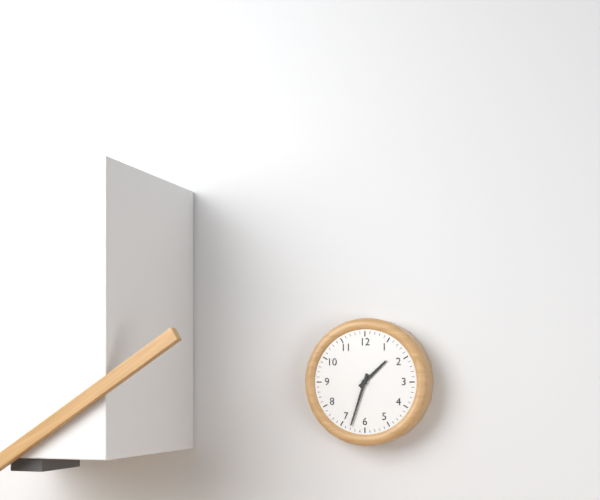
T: 1 h 33 min
